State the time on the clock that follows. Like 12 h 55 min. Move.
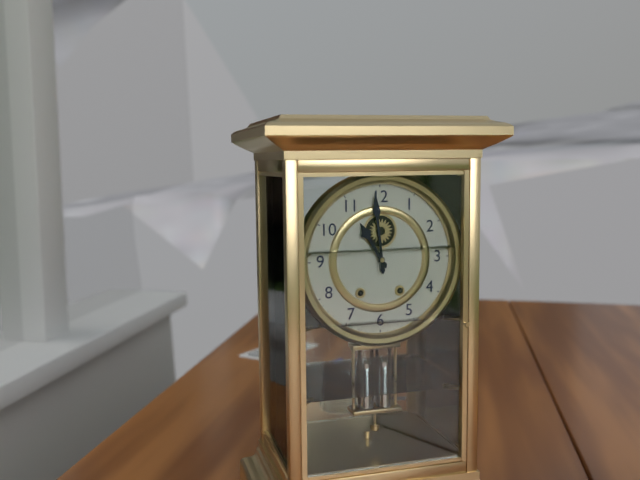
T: 10 h 59 min
